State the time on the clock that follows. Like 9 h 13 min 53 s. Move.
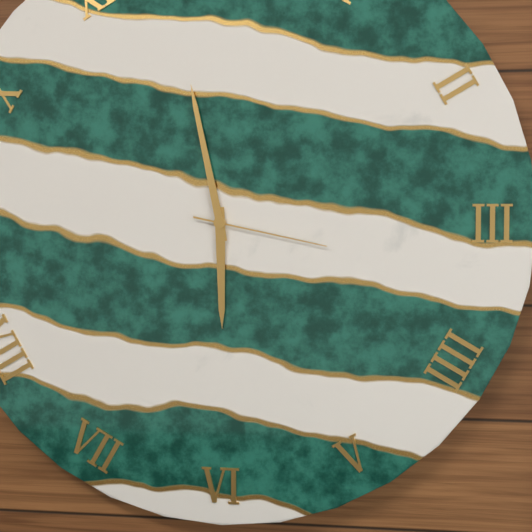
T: 5 h 58 min 17 s
